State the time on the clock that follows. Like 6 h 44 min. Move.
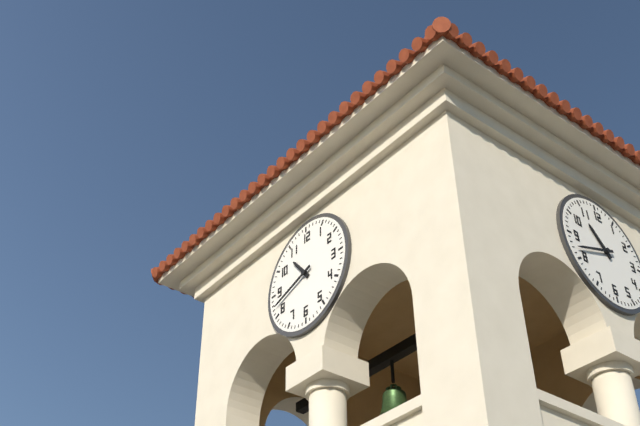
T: 10 h 42 min
